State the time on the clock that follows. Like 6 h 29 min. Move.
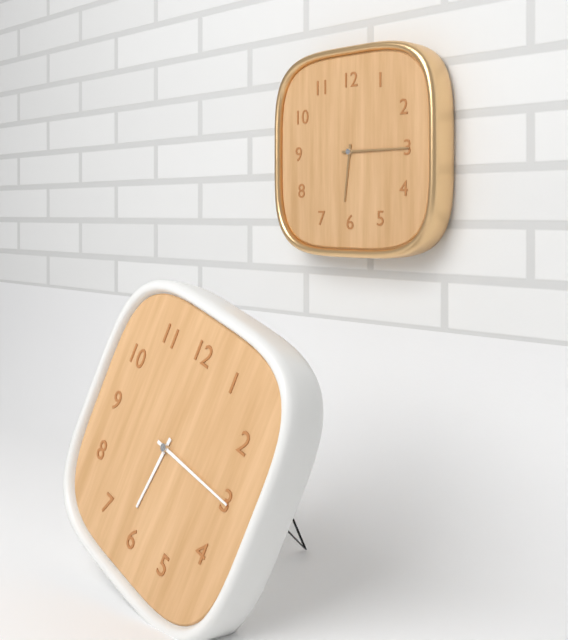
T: 6 h 15 min
